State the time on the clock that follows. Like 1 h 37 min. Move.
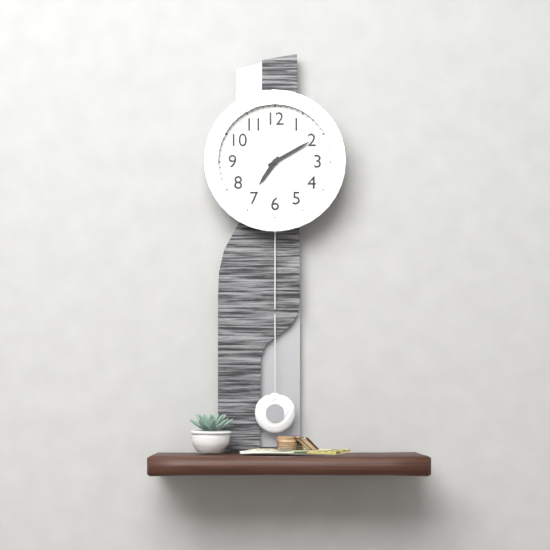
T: 7 h 10 min
